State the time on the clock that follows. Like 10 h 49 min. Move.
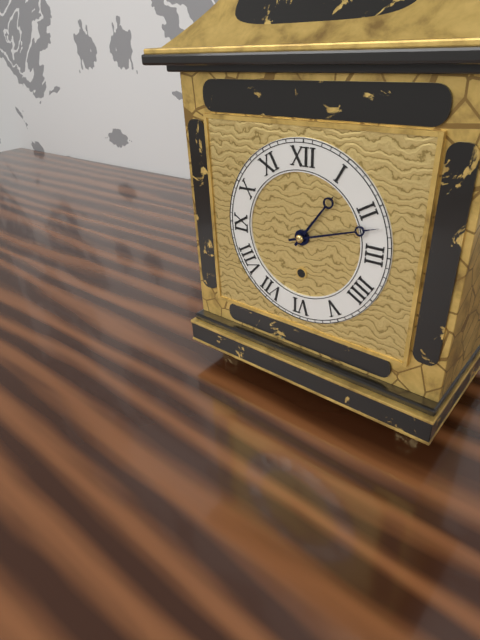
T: 1 h 12 min
